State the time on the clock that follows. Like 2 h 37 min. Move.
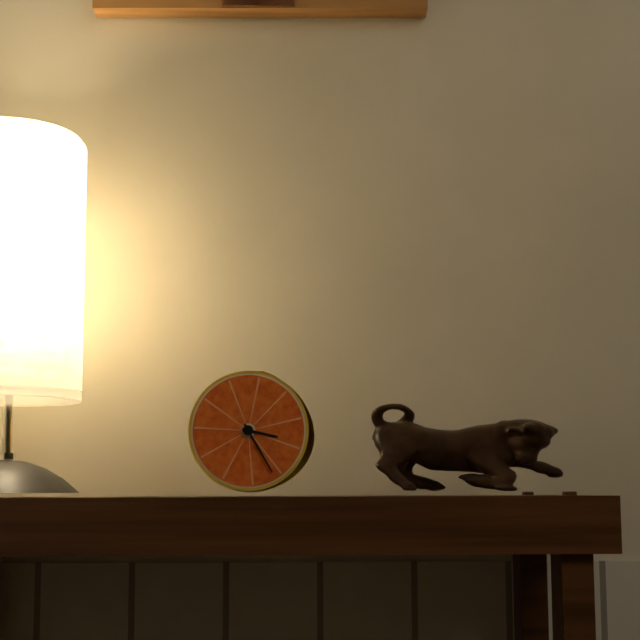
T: 3 h 25 min
